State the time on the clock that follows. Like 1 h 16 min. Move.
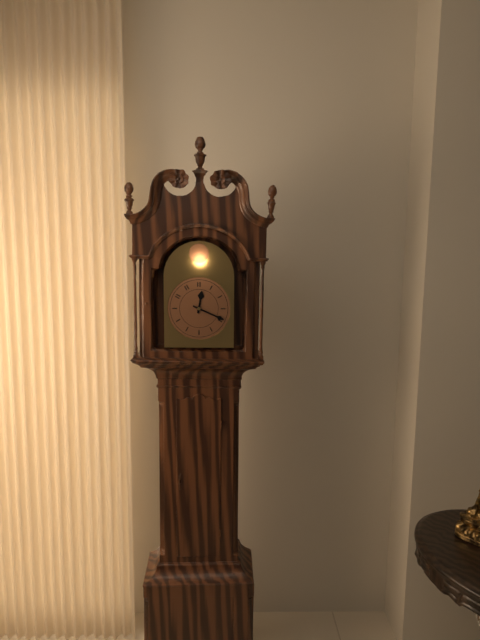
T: 12 h 19 min
